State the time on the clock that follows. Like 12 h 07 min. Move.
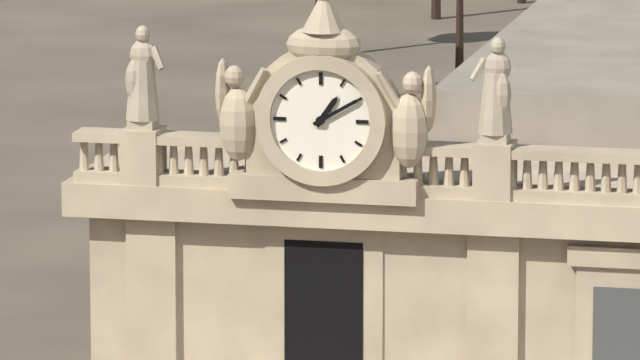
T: 1 h 10 min
